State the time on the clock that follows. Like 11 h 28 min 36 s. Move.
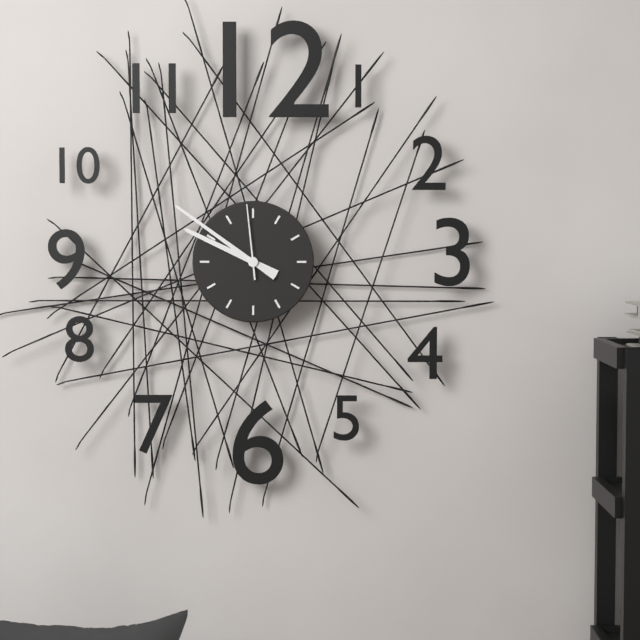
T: 9 h 51 min 59 s
